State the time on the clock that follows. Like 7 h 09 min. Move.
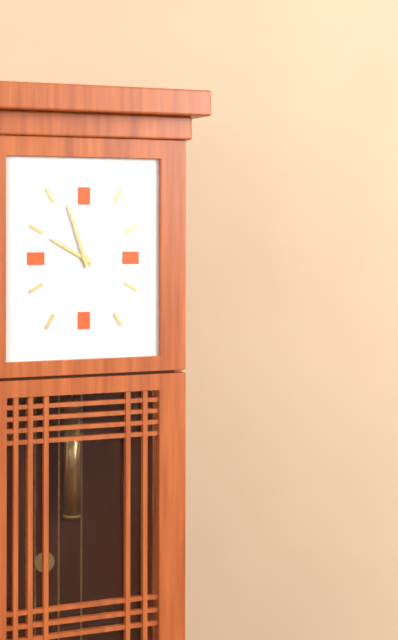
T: 9 h 57 min
